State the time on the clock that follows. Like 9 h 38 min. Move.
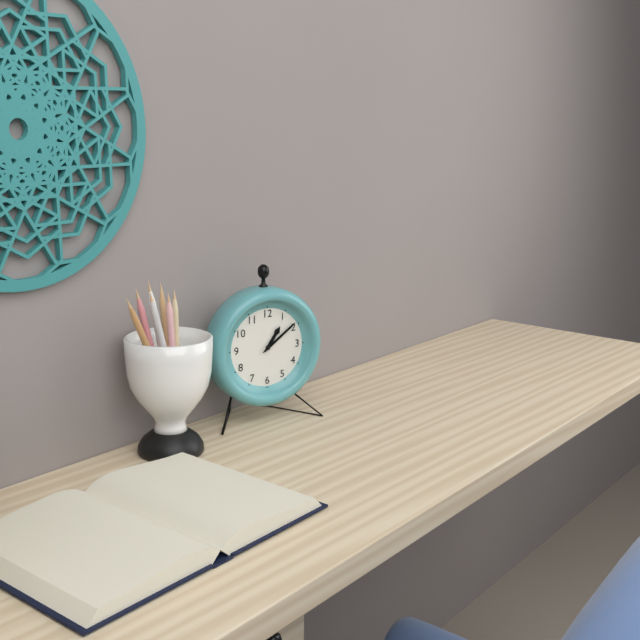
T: 1 h 09 min
